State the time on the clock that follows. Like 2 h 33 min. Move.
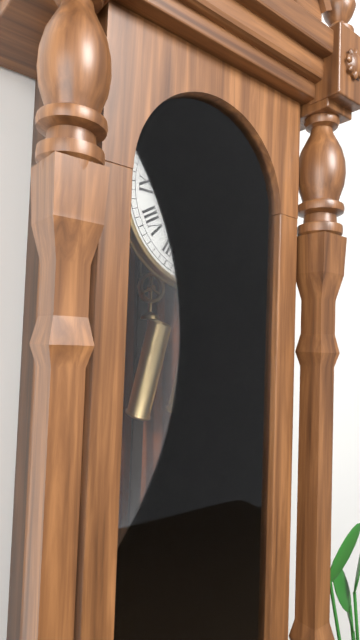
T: 12 h 29 min
